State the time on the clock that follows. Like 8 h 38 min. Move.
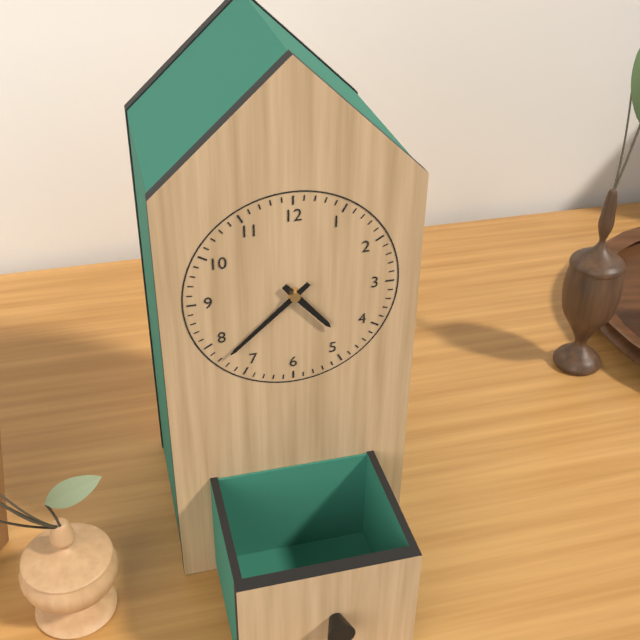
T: 4 h 38 min
